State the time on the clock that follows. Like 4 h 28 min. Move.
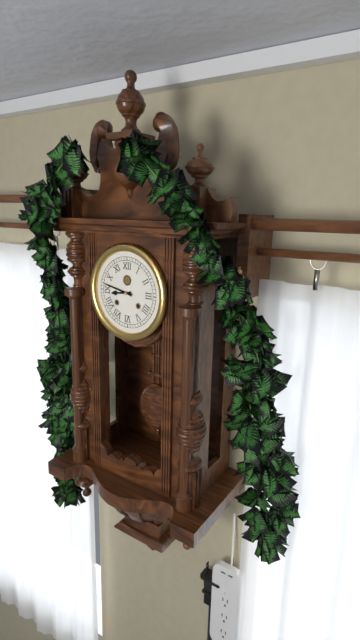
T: 8 h 47 min
